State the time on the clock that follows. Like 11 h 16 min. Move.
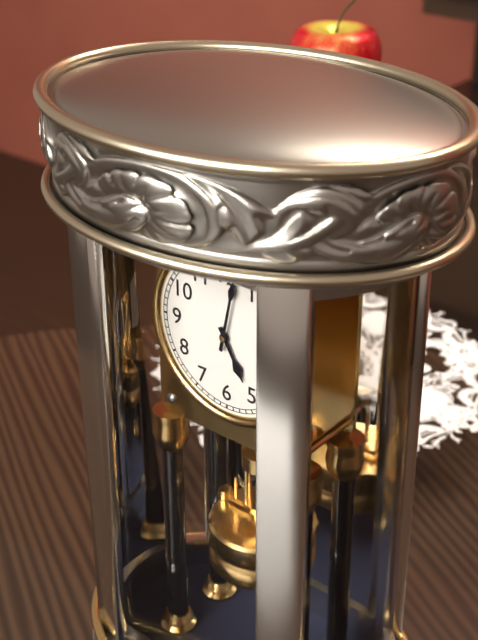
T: 5 h 02 min
